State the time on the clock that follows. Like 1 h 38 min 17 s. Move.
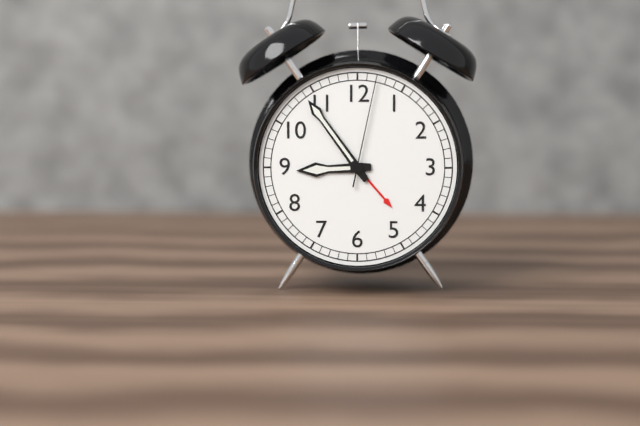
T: 8 h 54 min 02 s
